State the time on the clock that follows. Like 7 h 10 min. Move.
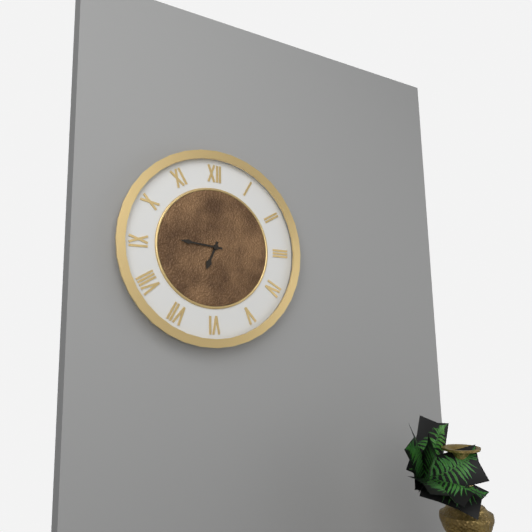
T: 6 h 46 min
